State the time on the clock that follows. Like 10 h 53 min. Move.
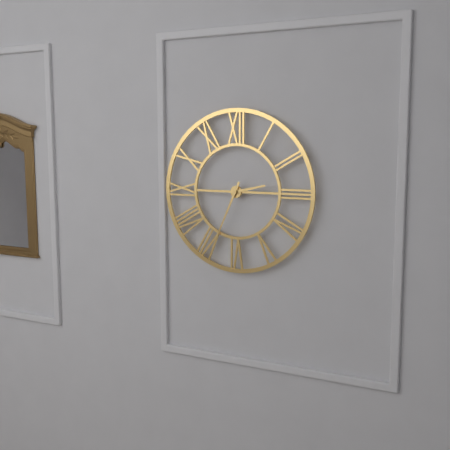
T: 2 h 34 min
